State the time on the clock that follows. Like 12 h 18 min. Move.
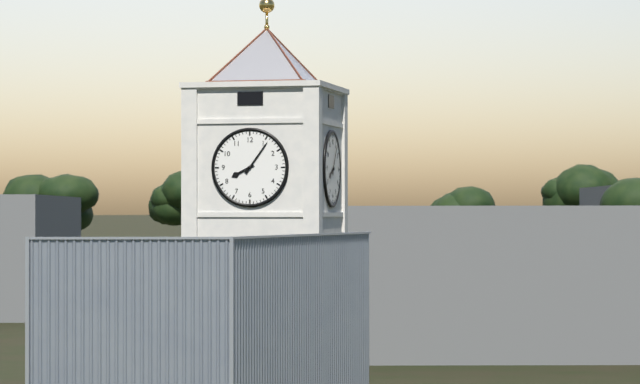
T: 8 h 06 min
